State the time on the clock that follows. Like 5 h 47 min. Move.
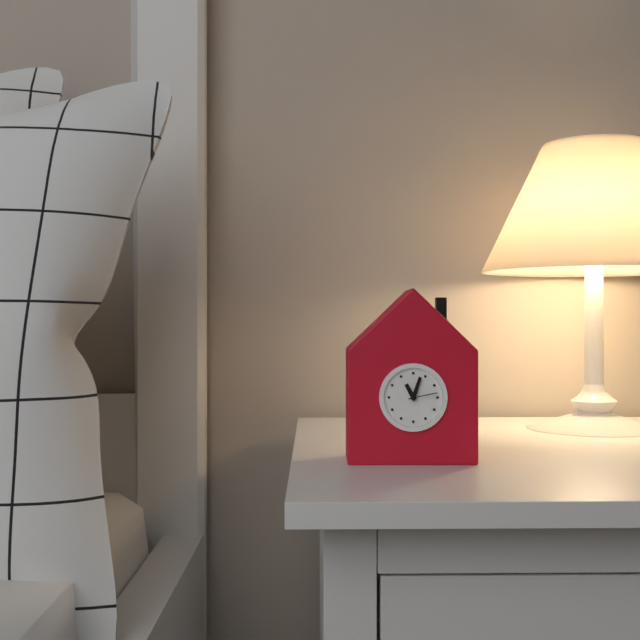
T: 11 h 03 min
